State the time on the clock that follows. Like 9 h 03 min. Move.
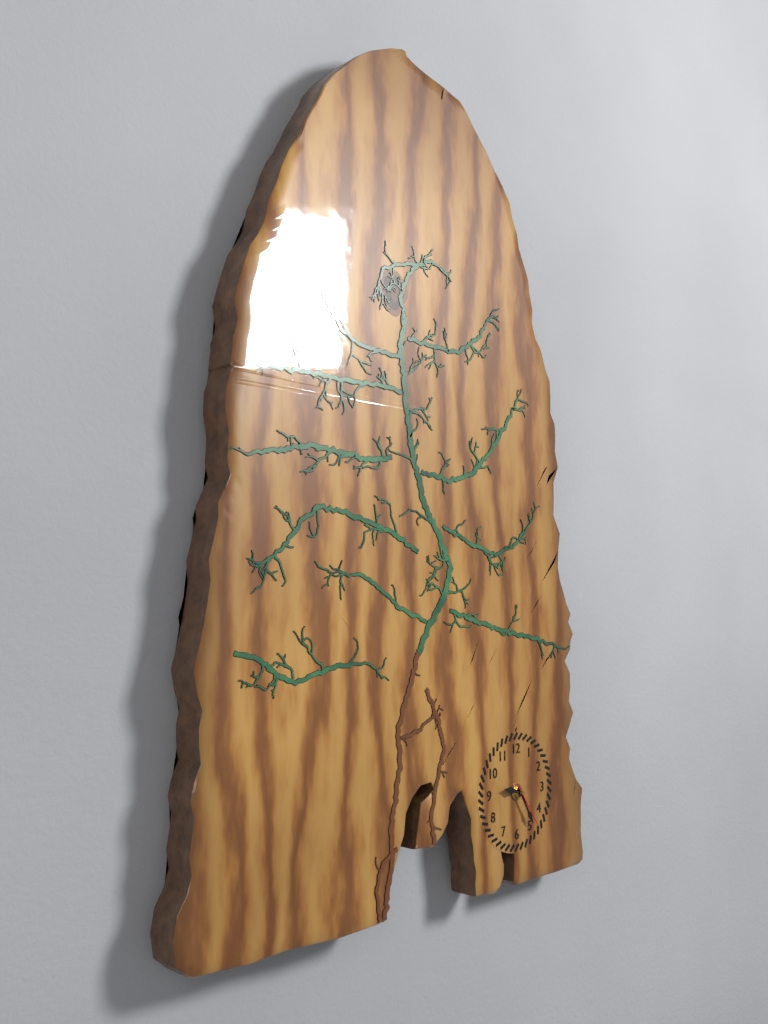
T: 9 h 25 min
